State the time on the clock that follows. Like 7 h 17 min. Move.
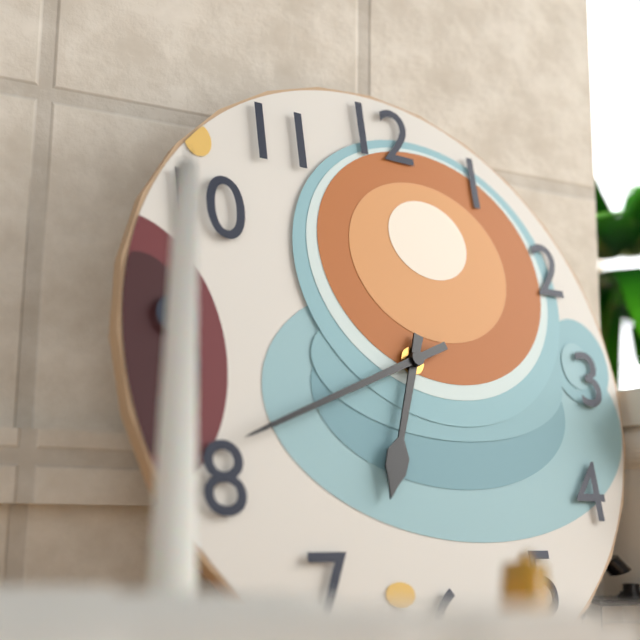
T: 6 h 41 min
